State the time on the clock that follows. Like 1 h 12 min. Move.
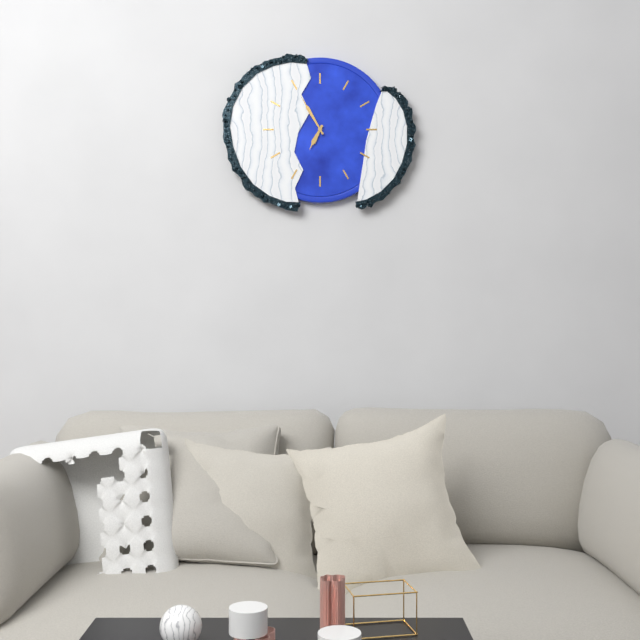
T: 6 h 55 min
